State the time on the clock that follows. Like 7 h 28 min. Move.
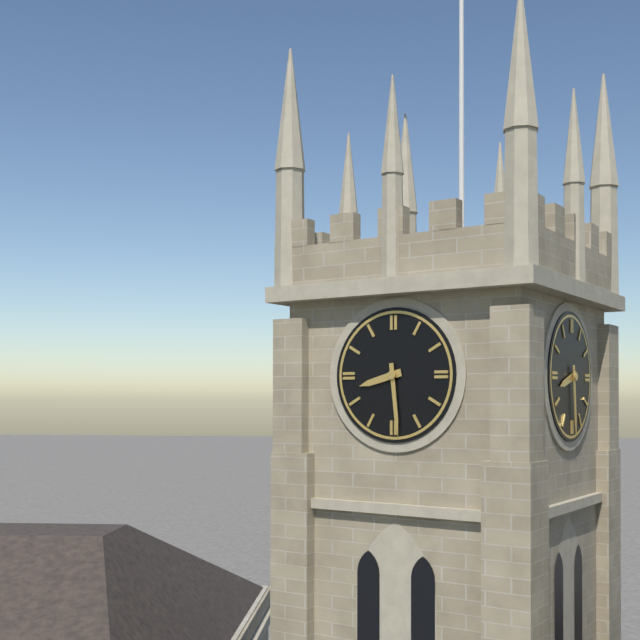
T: 8 h 29 min
